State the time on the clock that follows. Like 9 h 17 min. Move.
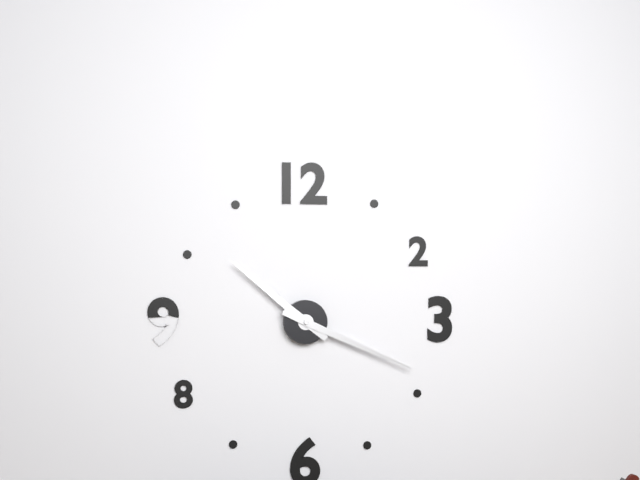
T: 10 h 19 min
